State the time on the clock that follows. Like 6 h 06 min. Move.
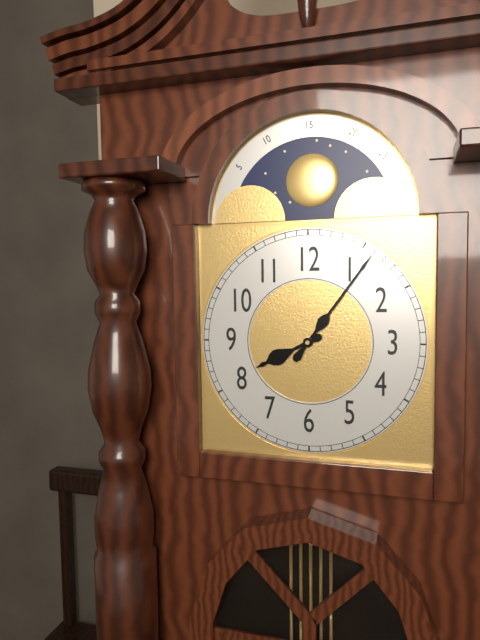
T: 8 h 06 min
